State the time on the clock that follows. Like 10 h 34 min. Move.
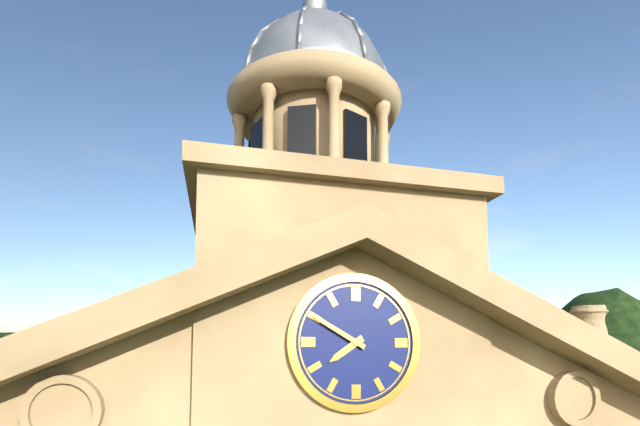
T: 7 h 50 min
